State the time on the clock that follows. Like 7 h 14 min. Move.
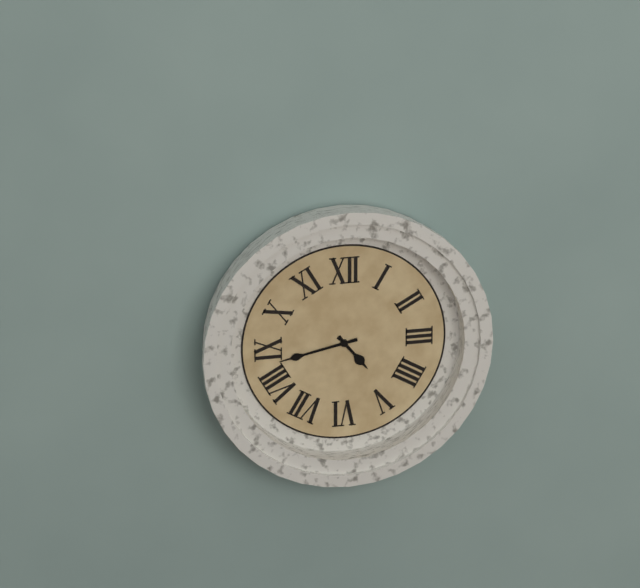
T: 4 h 43 min
